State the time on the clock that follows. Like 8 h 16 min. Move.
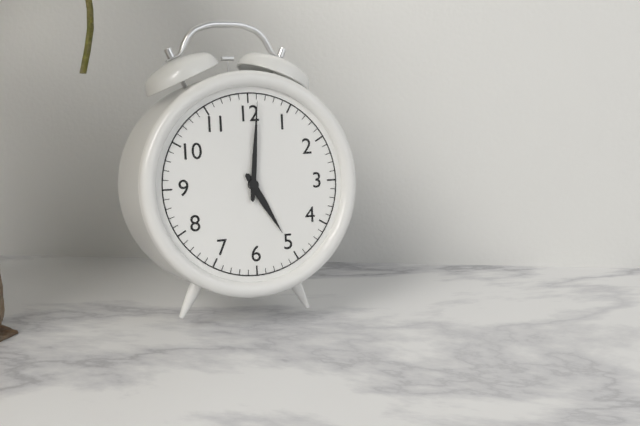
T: 5 h 01 min
